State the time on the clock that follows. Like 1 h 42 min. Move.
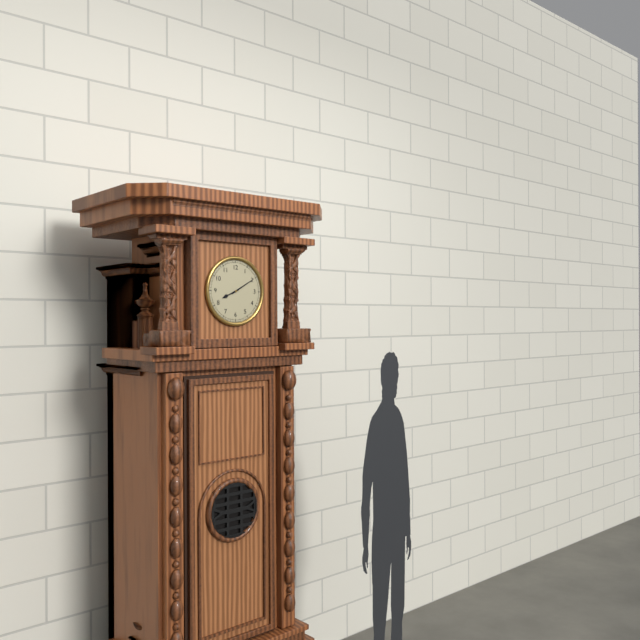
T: 8 h 10 min
